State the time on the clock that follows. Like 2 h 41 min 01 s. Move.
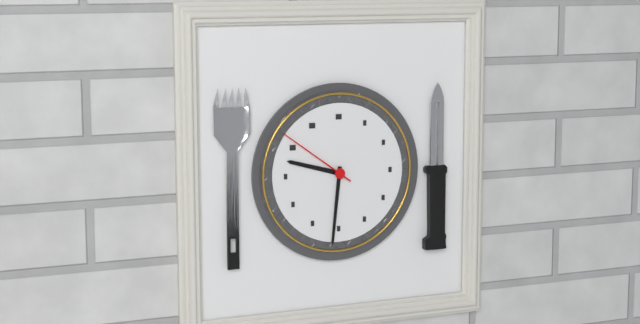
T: 9 h 31 min 51 s
